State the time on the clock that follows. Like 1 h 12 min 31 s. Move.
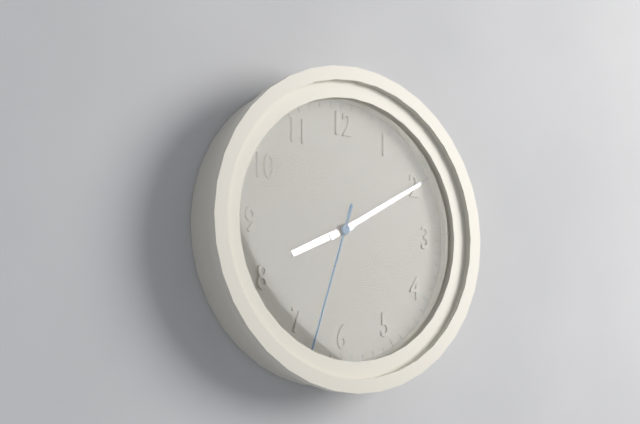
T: 8 h 10 min 33 s
